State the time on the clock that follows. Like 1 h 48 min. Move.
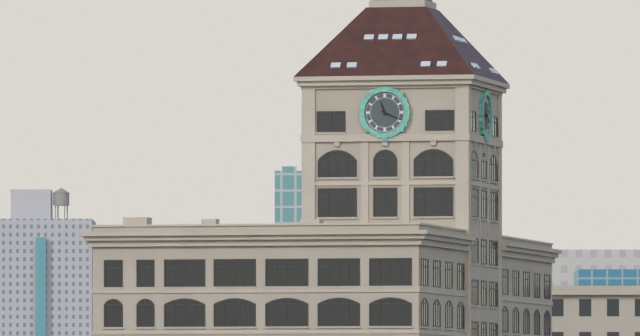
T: 11 h 19 min
